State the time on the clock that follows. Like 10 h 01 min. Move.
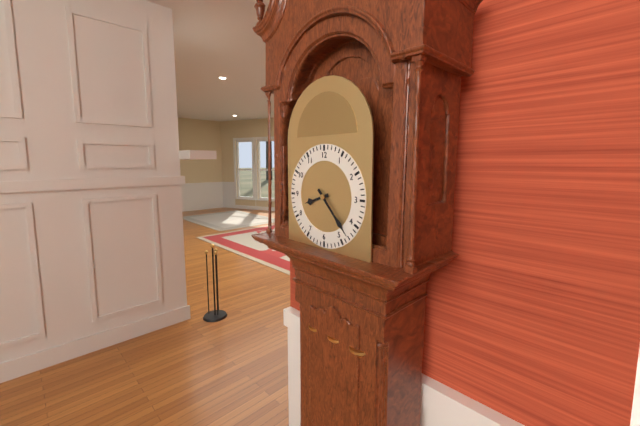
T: 8 h 23 min
